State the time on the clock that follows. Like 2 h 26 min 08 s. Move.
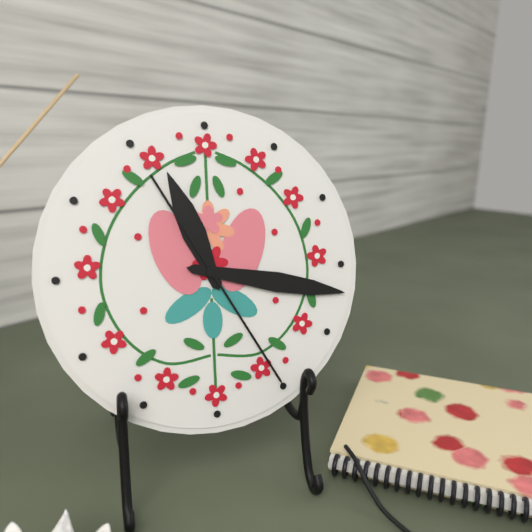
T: 11 h 17 min 25 s
